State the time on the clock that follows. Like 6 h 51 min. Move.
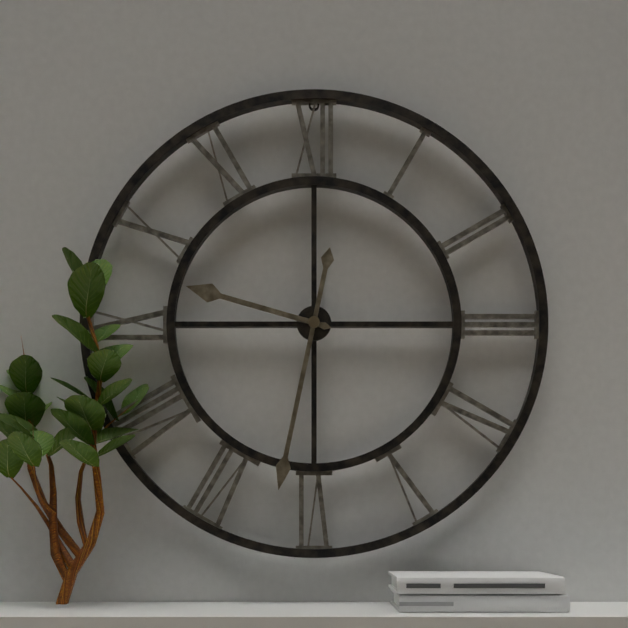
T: 9 h 32 min
